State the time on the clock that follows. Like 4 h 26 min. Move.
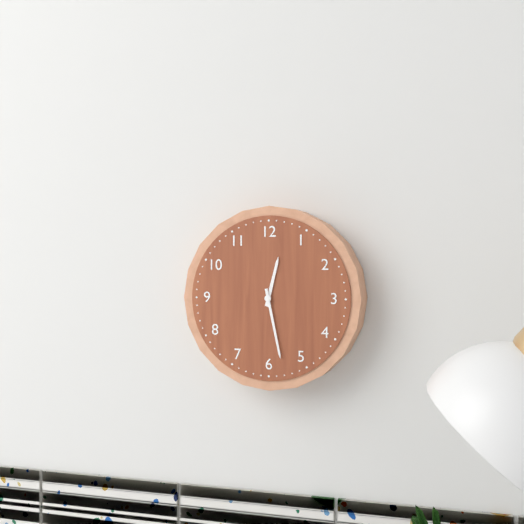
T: 12 h 28 min
